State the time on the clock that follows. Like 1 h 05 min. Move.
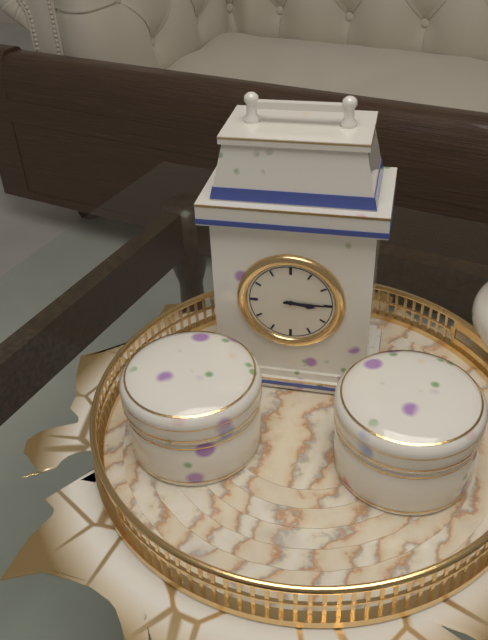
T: 3 h 15 min
